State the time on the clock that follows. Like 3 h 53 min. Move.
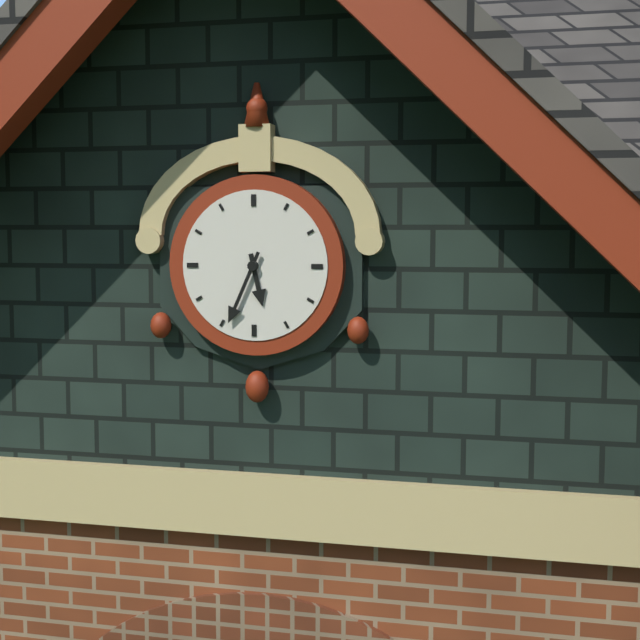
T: 5 h 34 min
